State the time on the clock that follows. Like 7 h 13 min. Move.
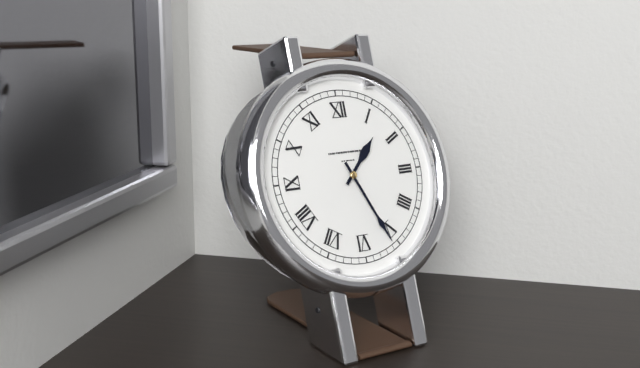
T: 1 h 26 min
